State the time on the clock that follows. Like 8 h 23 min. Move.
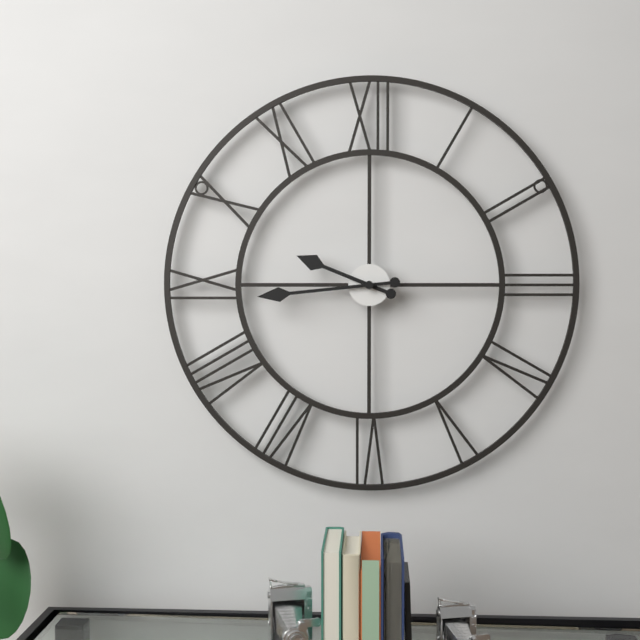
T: 9 h 44 min
